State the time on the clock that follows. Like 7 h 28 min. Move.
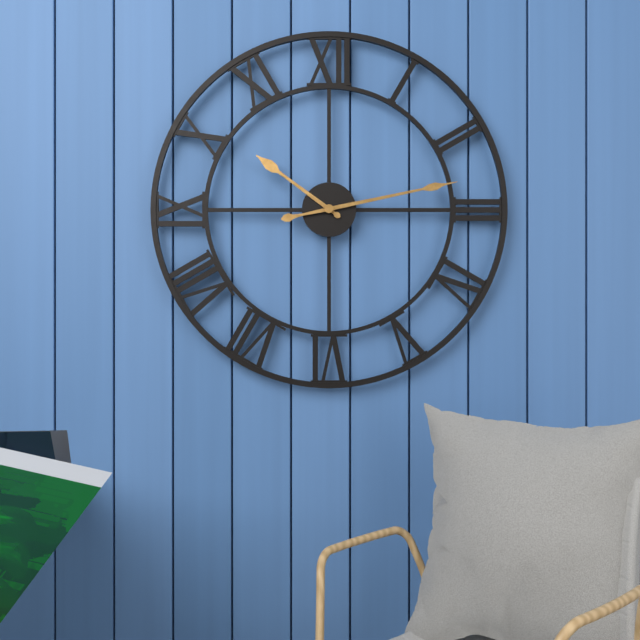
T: 10 h 13 min
